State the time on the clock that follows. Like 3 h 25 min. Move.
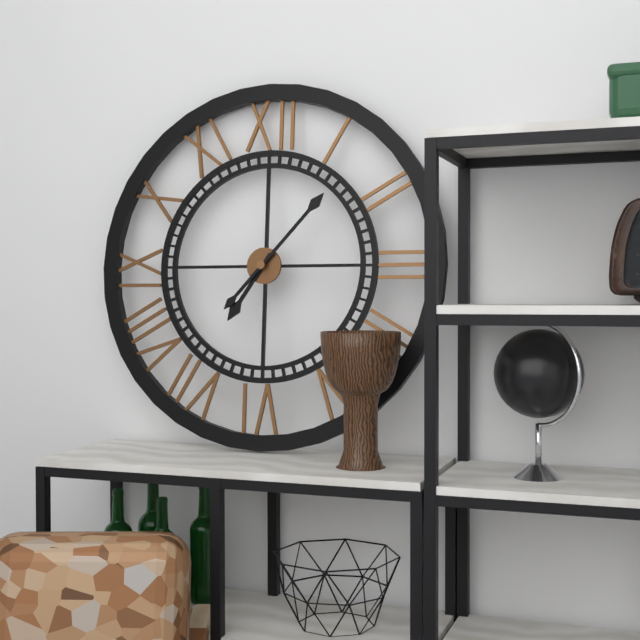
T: 7 h 07 min
